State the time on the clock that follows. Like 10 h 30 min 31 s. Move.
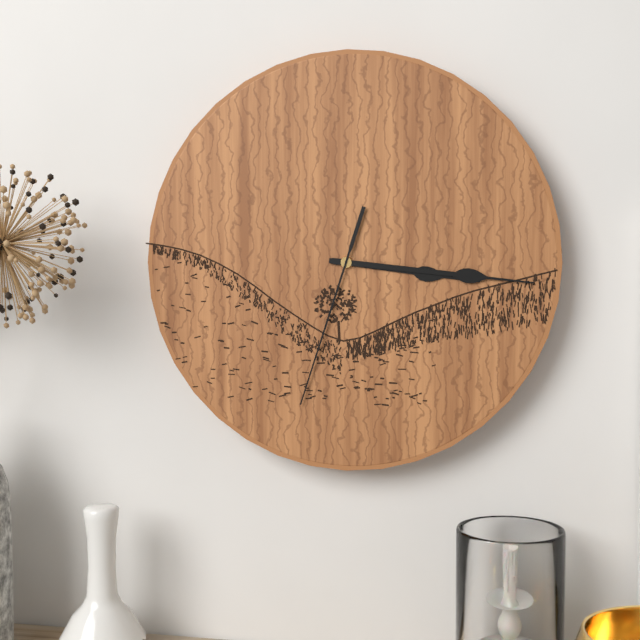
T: 3 h 16 min 33 s
